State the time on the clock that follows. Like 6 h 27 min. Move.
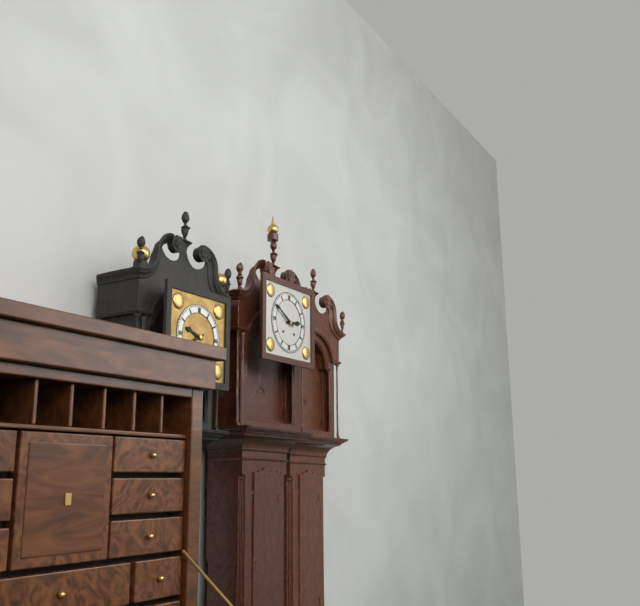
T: 2 h 50 min
